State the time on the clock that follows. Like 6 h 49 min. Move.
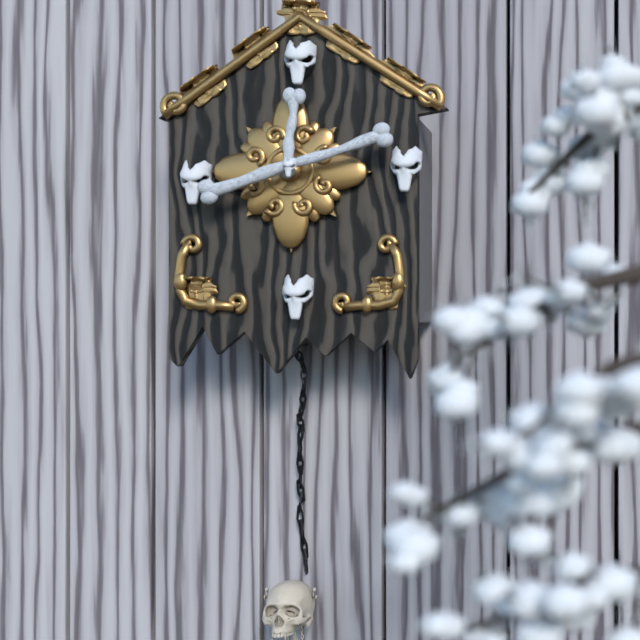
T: 12 h 12 min
